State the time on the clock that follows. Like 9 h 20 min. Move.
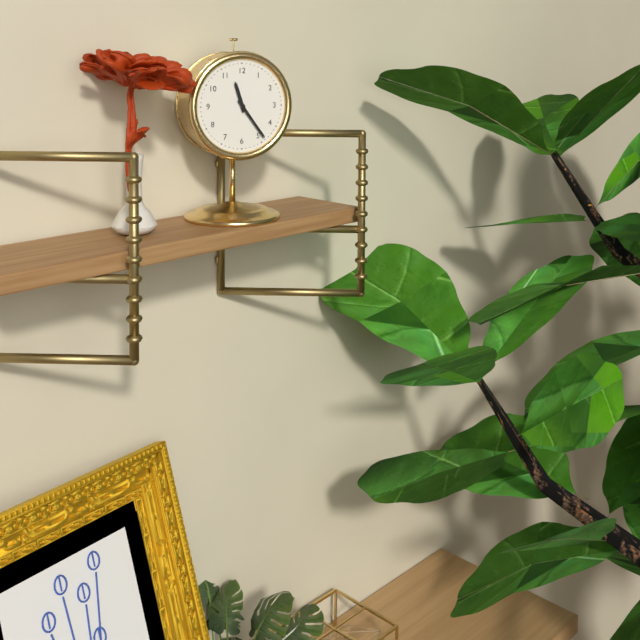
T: 11 h 24 min
